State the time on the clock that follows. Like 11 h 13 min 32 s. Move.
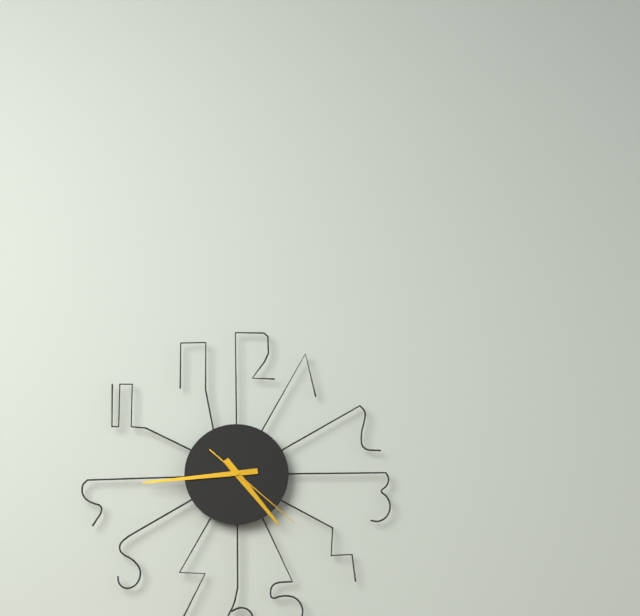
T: 4 h 44 min 22 s
